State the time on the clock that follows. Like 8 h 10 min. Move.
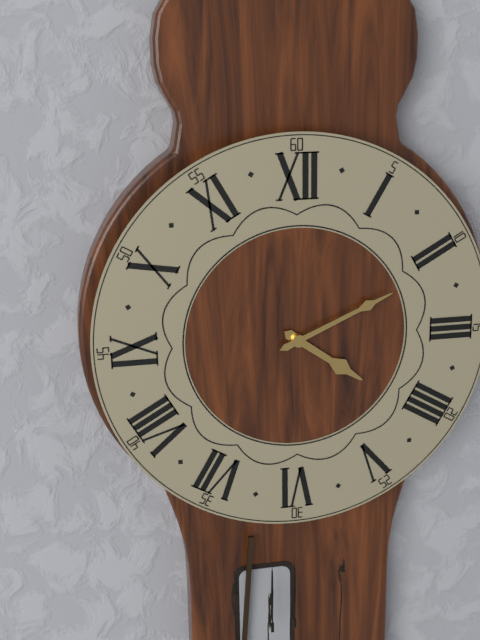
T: 4 h 11 min
